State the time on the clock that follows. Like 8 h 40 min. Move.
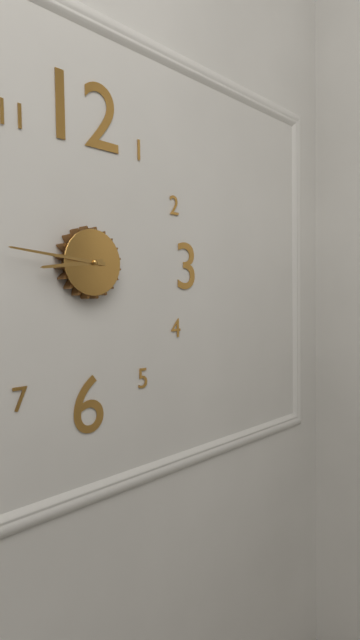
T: 8 h 46 min
